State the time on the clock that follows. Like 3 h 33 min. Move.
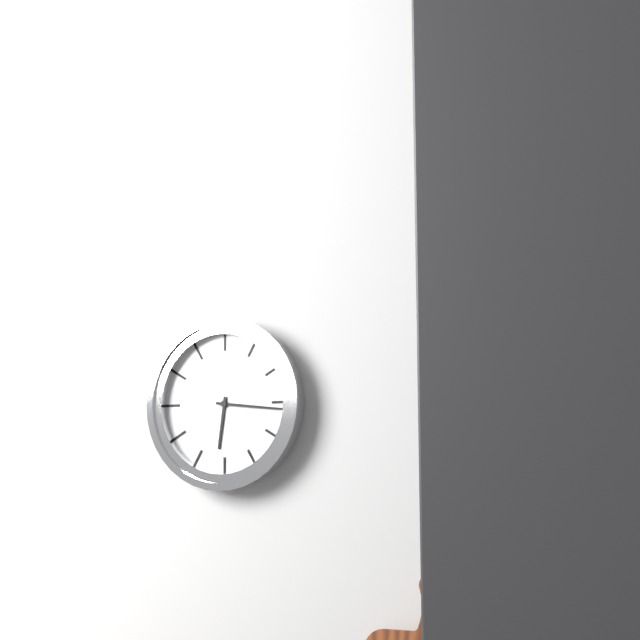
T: 6 h 16 min
